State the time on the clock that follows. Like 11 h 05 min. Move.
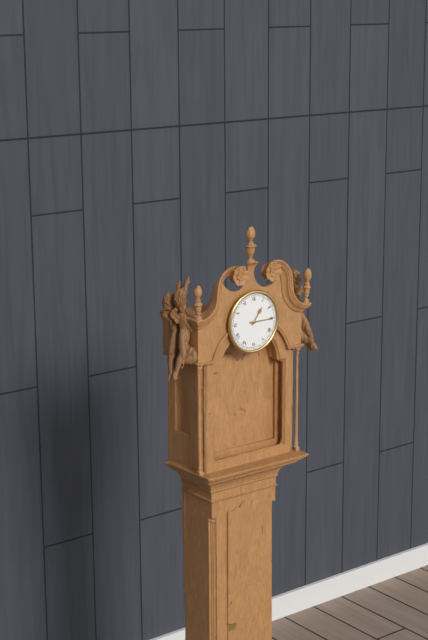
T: 1 h 15 min
